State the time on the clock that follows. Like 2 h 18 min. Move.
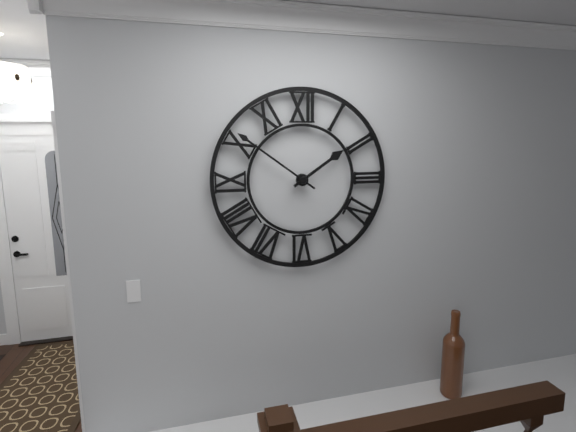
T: 1 h 51 min
